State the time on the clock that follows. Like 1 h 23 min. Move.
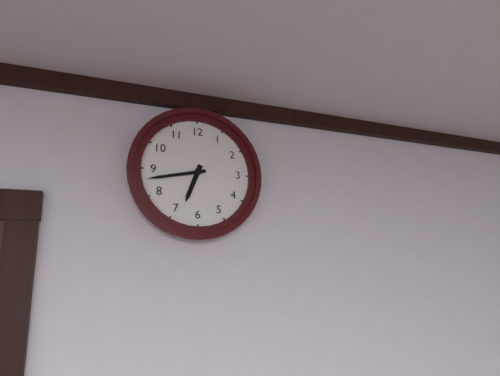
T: 6 h 43 min
